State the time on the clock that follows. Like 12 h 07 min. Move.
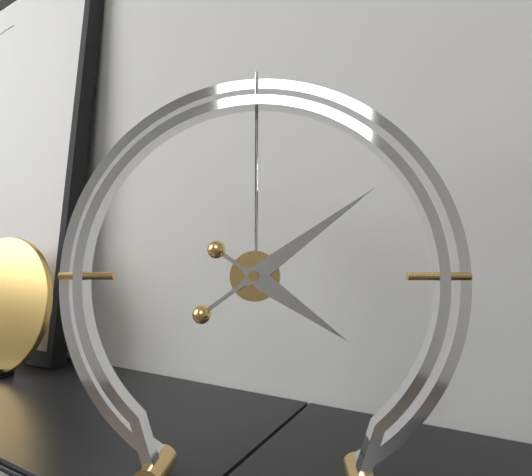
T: 4 h 09 min
